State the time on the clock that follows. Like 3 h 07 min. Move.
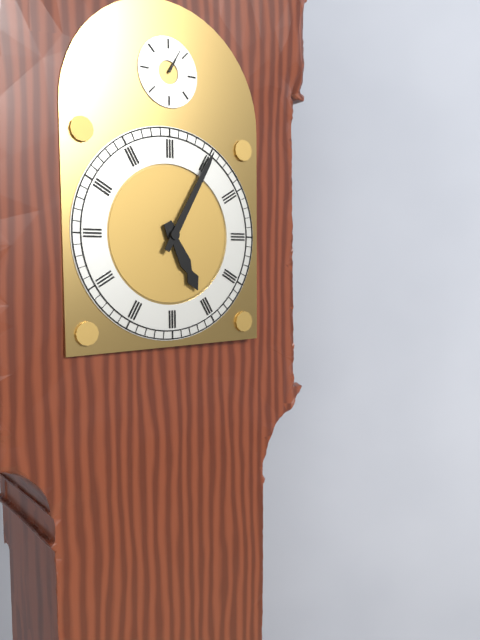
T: 5 h 05 min
